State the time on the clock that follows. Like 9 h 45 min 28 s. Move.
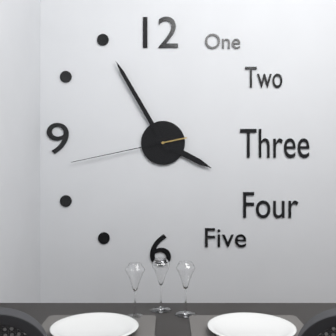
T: 3 h 55 min 43 s
